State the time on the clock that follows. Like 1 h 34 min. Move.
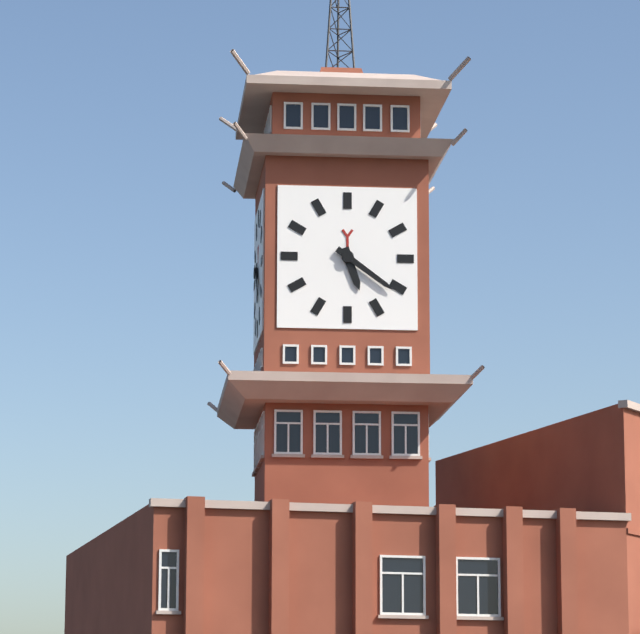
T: 5 h 21 min
